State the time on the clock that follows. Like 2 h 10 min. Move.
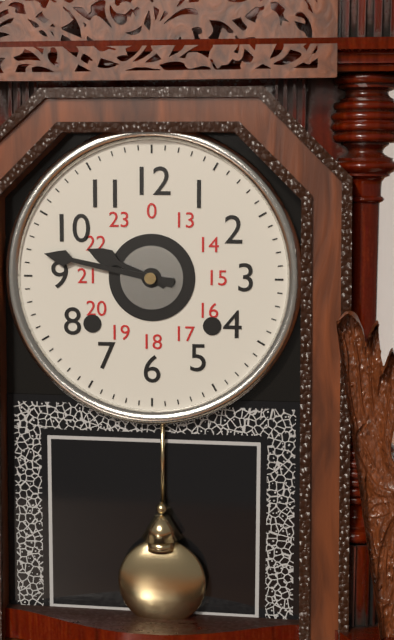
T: 9 h 47 min
